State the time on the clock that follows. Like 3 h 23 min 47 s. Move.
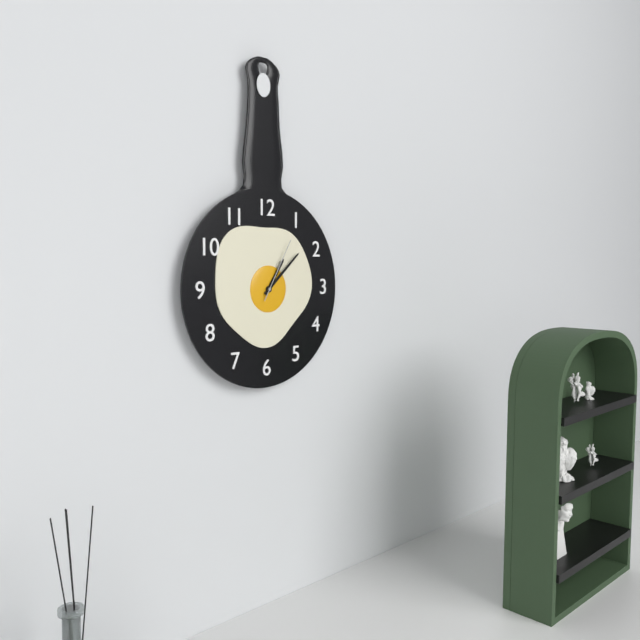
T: 1 h 08 min 05 s
